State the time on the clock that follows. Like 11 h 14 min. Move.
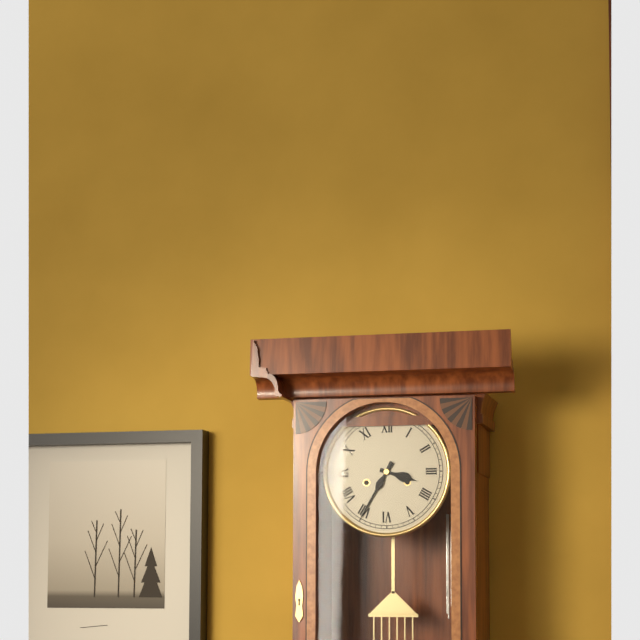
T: 3 h 35 min
